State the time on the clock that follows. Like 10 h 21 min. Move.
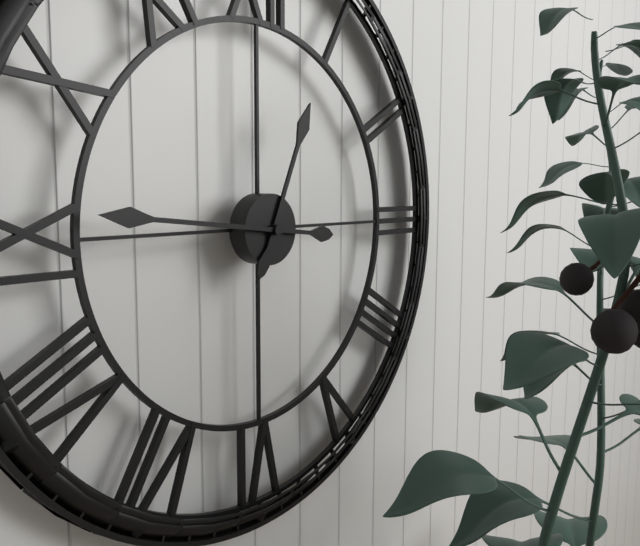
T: 12 h 46 min
